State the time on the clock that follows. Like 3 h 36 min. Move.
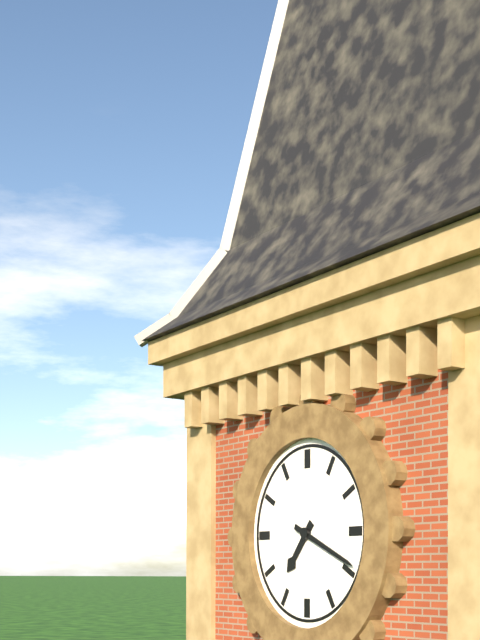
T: 7 h 19 min
